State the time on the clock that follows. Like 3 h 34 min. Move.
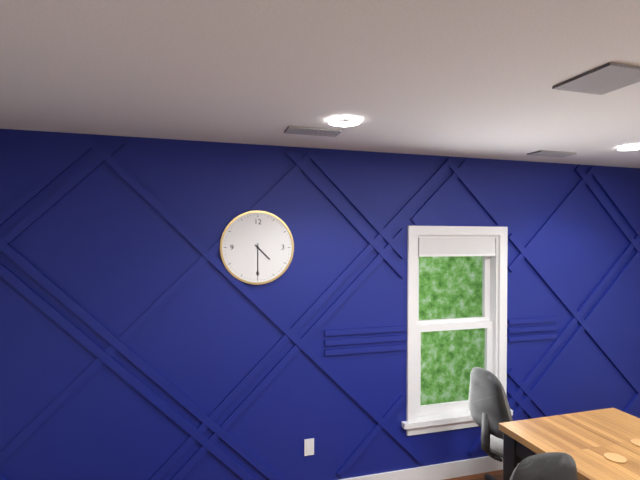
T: 4 h 30 min
